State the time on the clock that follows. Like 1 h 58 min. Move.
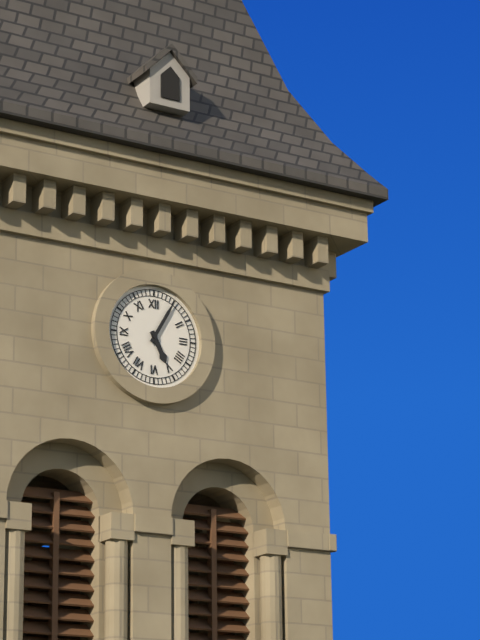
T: 5 h 05 min
